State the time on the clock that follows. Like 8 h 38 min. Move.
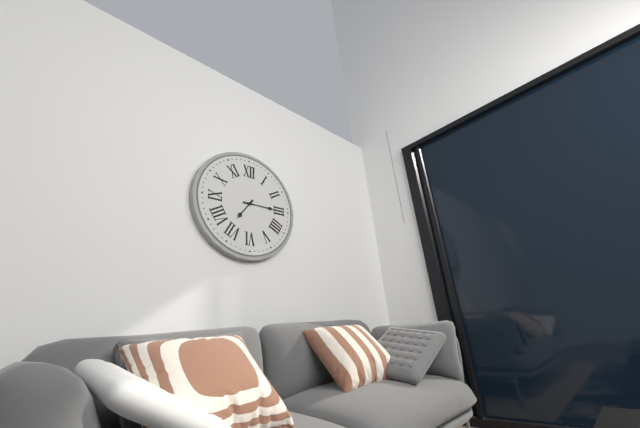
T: 7 h 15 min
